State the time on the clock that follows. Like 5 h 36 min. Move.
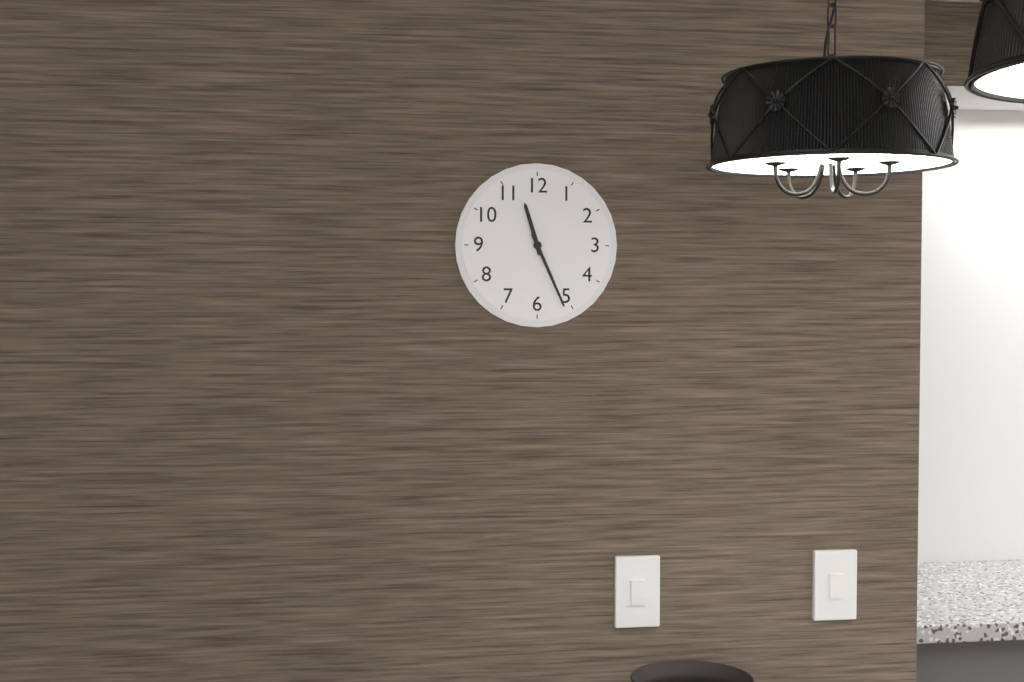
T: 11 h 26 min
